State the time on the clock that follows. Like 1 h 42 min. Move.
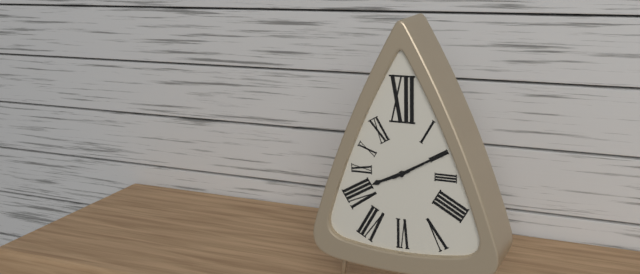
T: 8 h 10 min
